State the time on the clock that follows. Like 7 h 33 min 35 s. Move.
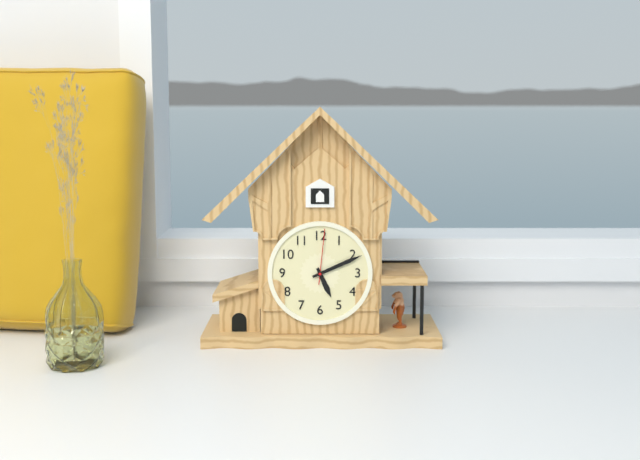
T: 5 h 11 min 01 s
